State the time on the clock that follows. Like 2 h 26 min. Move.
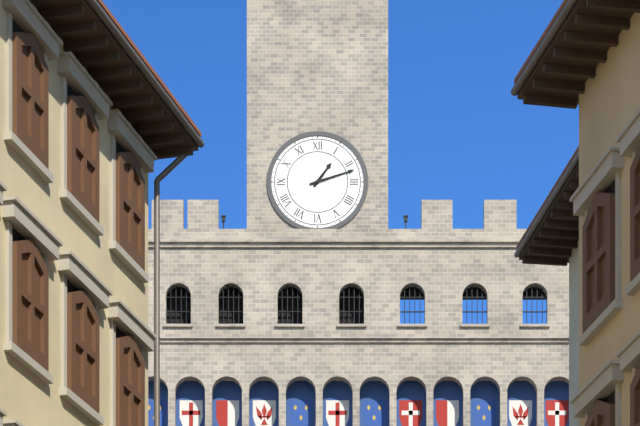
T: 1 h 12 min
